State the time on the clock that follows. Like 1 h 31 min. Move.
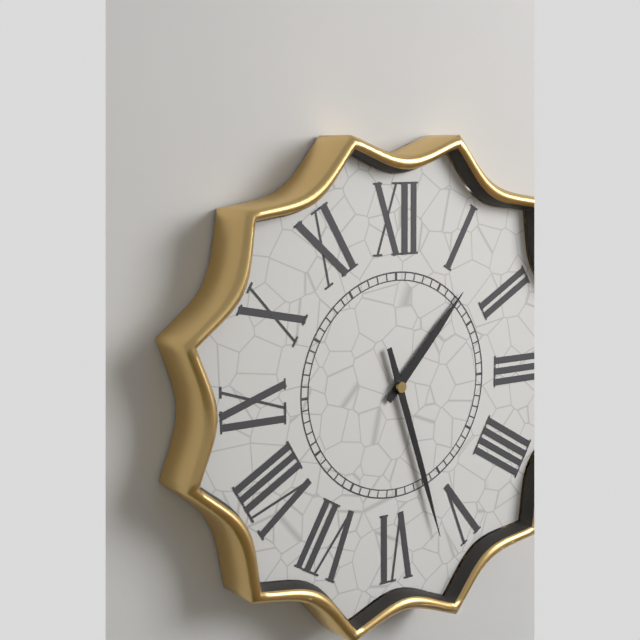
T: 1 h 27 min
